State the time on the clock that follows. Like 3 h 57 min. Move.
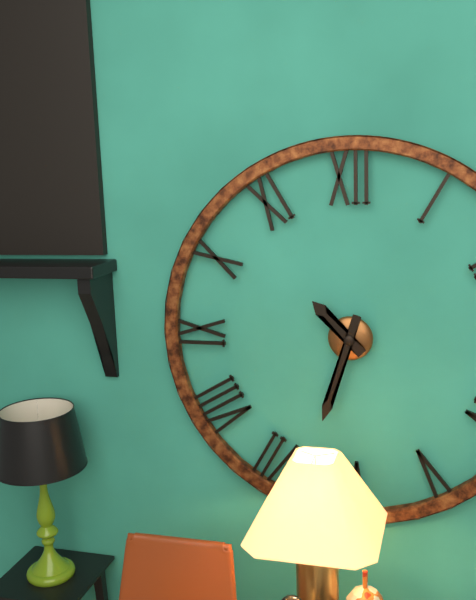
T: 10 h 33 min
